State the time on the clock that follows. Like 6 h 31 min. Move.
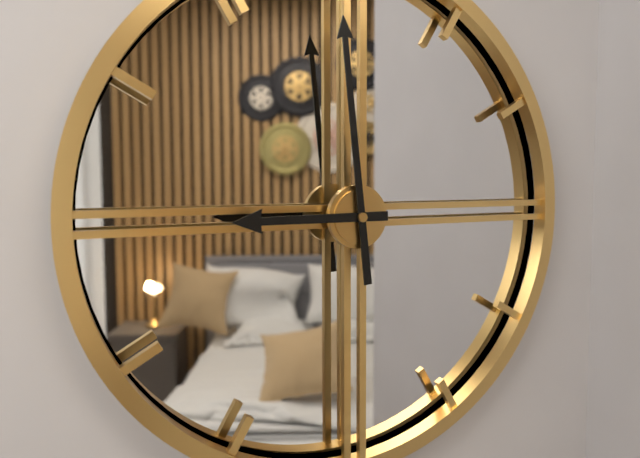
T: 8 h 59 min
